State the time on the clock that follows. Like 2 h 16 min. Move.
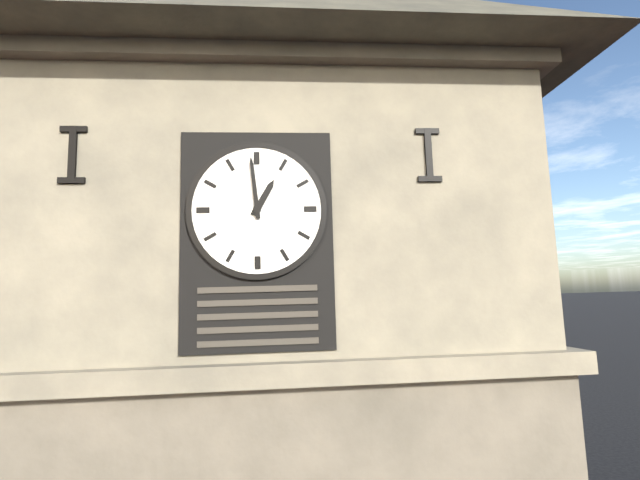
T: 12 h 59 min
